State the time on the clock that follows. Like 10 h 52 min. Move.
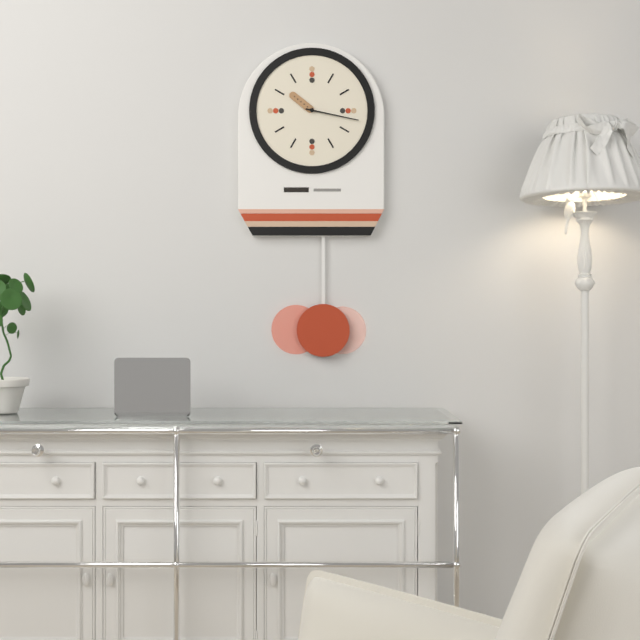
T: 10 h 17 min
